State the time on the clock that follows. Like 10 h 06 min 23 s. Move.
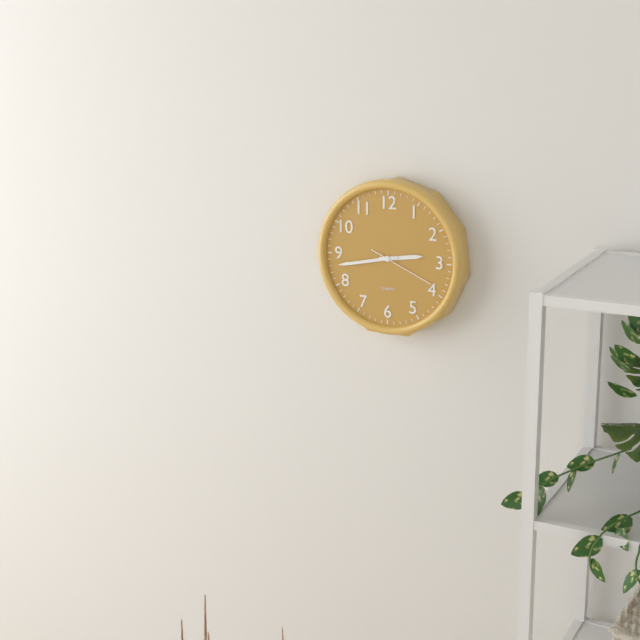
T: 2 h 43 min 19 s
